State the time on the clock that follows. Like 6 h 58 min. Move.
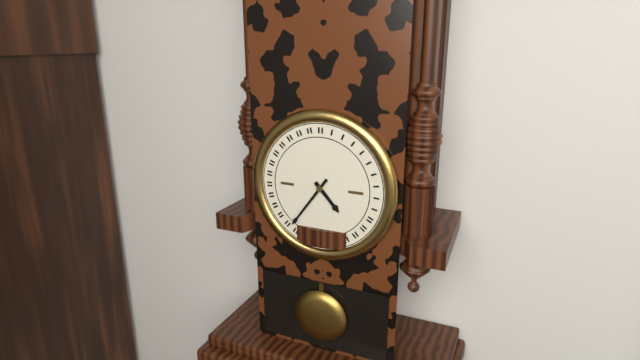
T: 4 h 36 min
